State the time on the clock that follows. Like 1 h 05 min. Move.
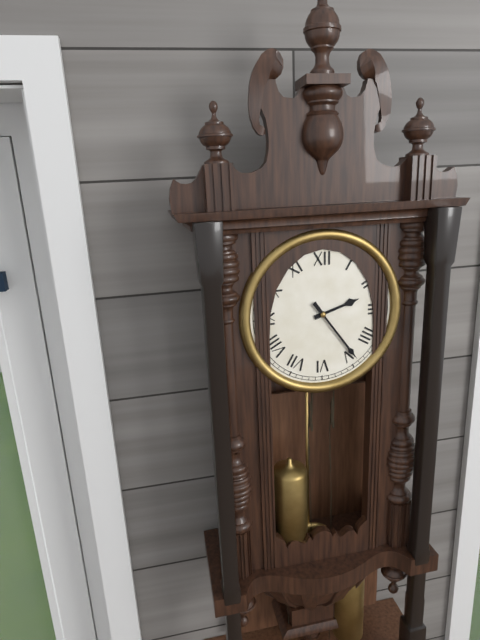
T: 2 h 24 min
